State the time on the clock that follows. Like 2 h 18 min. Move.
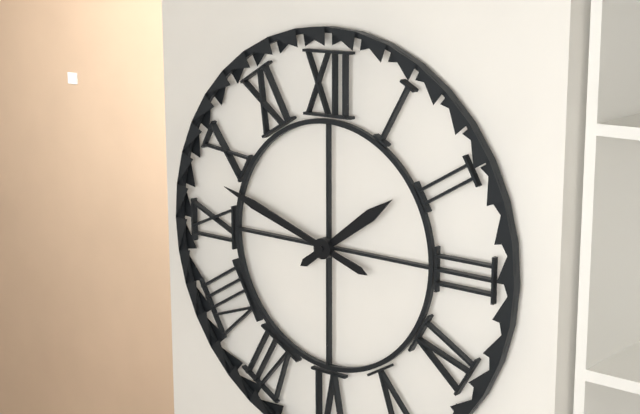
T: 1 h 48 min
